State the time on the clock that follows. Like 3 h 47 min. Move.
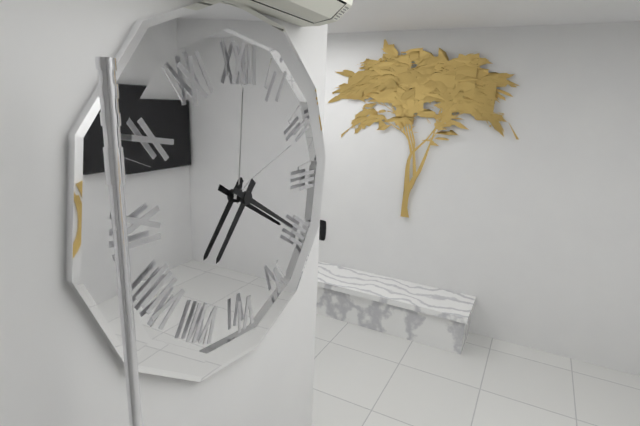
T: 7 h 20 min
